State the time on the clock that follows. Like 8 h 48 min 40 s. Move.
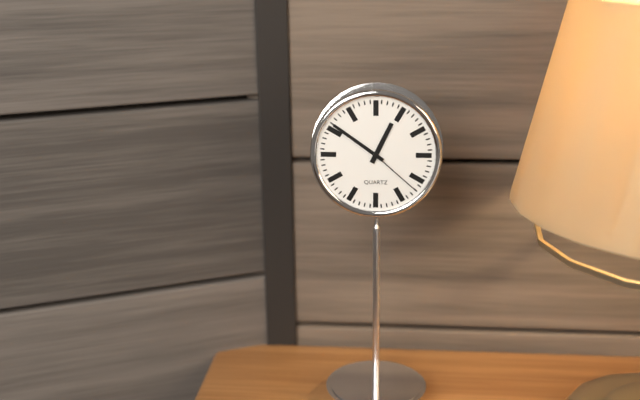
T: 12 h 51 min 22 s
